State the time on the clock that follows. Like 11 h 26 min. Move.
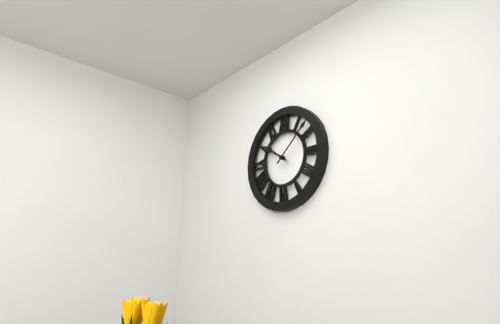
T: 10 h 08 min
